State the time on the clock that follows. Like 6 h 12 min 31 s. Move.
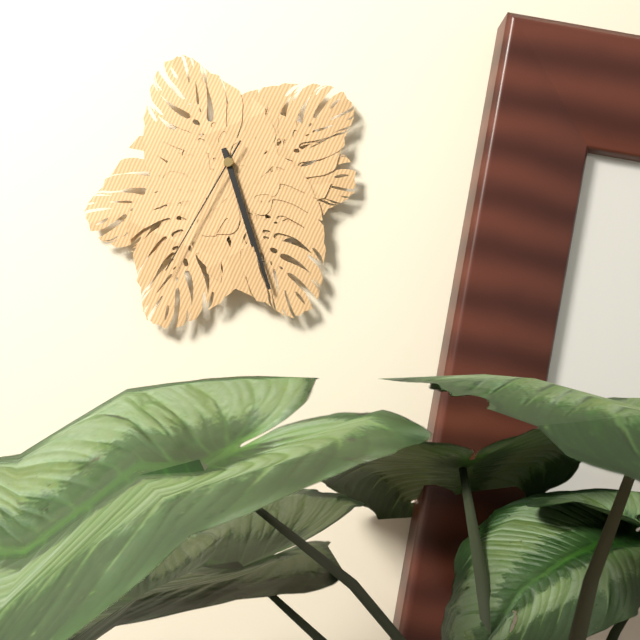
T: 5 h 27 min 35 s
